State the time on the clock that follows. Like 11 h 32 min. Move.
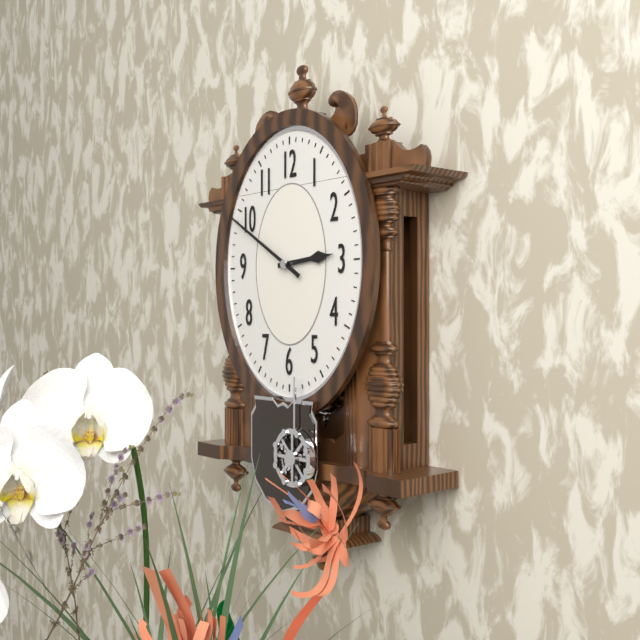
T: 2 h 50 min
